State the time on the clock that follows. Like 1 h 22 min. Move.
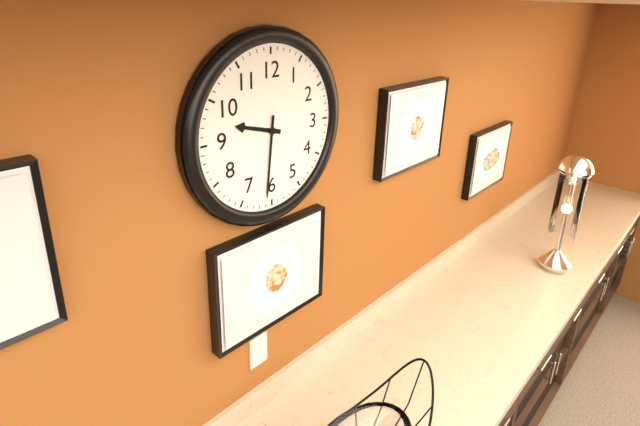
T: 9 h 31 min
